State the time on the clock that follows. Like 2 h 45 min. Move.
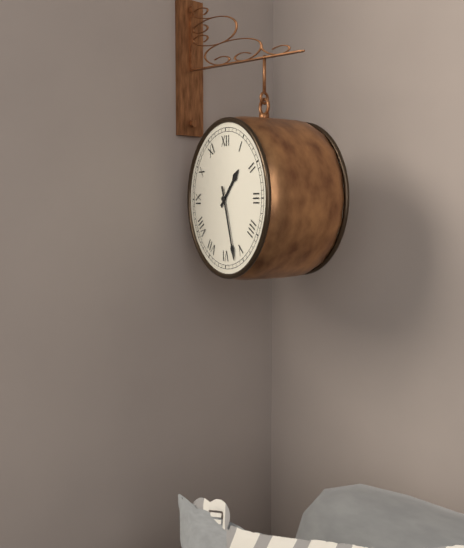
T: 1 h 27 min
